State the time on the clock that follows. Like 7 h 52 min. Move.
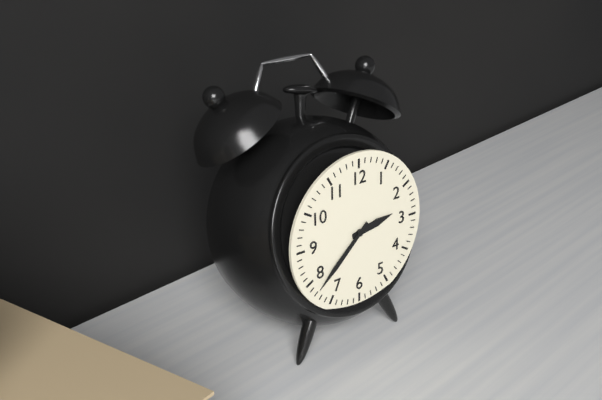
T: 2 h 38 min
